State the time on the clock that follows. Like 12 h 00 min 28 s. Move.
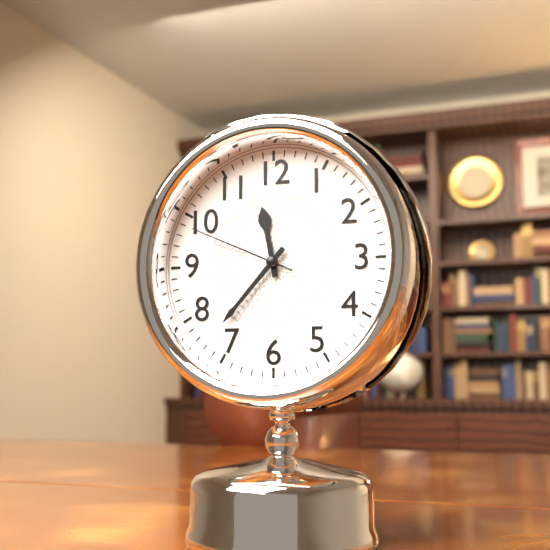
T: 11 h 37 min 49 s
